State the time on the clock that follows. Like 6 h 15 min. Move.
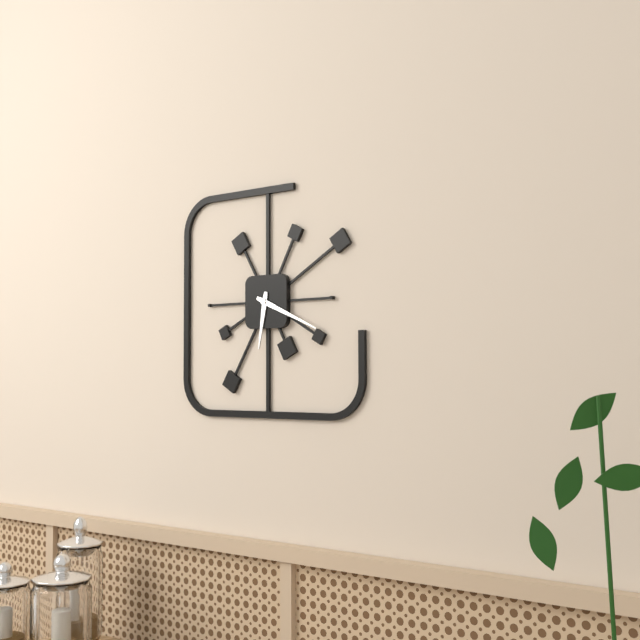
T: 6 h 19 min
